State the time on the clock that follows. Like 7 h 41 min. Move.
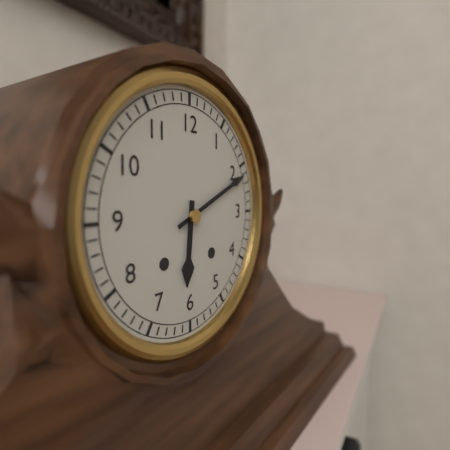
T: 6 h 11 min
